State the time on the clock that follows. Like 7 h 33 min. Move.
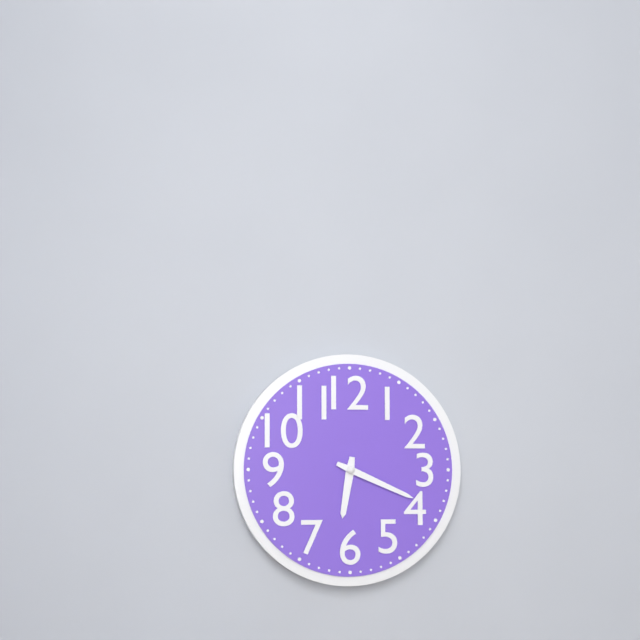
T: 6 h 19 min
